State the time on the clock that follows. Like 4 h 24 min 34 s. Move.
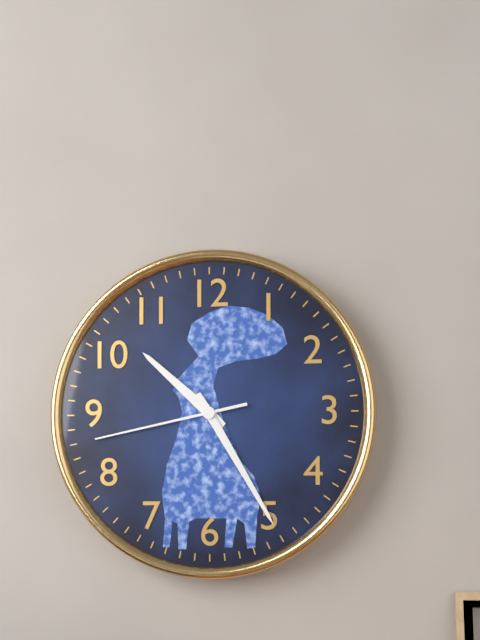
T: 10 h 25 min 43 s
